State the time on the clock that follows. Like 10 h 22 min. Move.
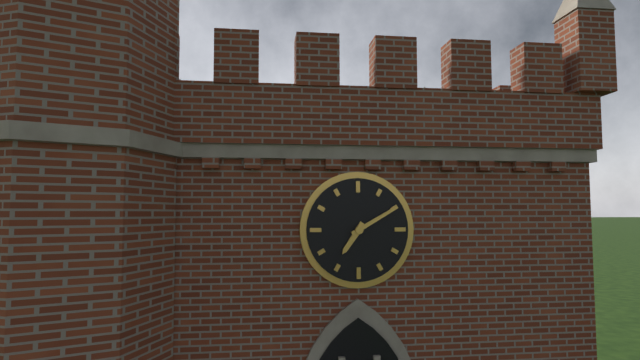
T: 7 h 10 min
